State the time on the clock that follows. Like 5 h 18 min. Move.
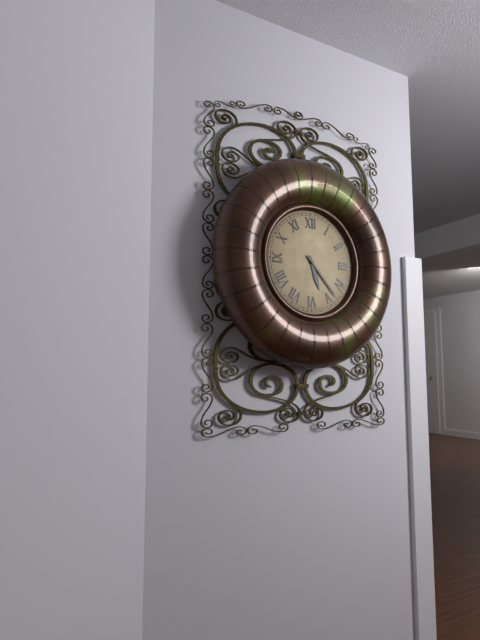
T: 5 h 23 min
